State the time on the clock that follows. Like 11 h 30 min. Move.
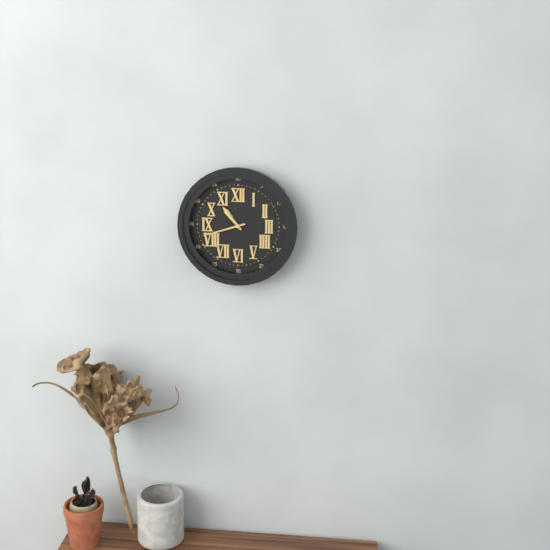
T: 10 h 42 min
